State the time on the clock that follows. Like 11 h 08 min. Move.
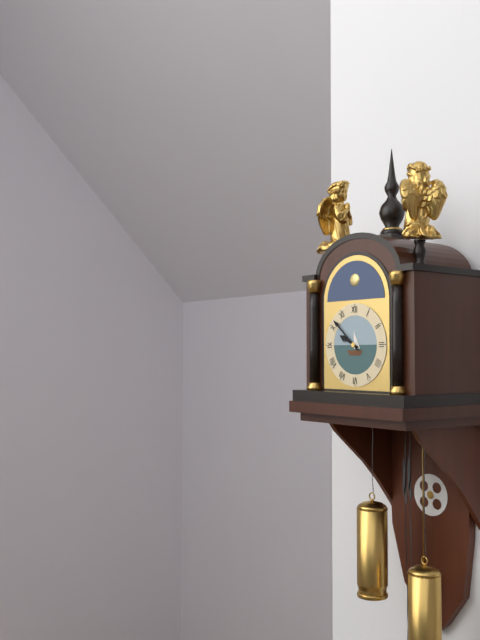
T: 9 h 52 min
